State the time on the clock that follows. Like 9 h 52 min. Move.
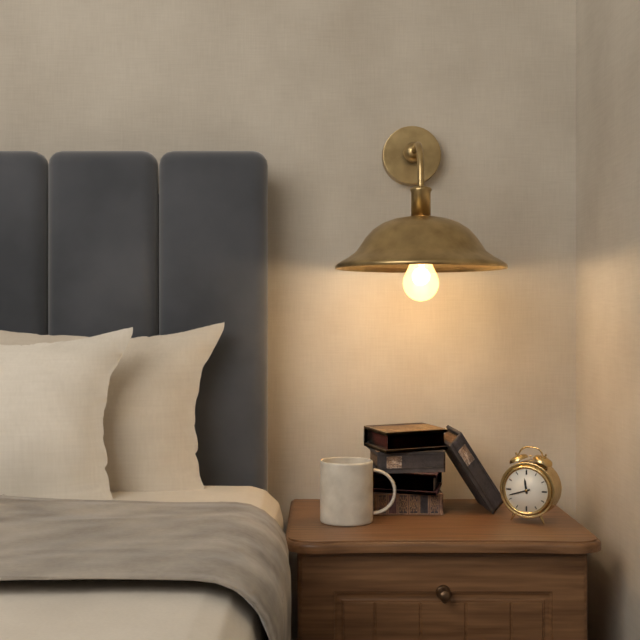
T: 11 h 42 min
